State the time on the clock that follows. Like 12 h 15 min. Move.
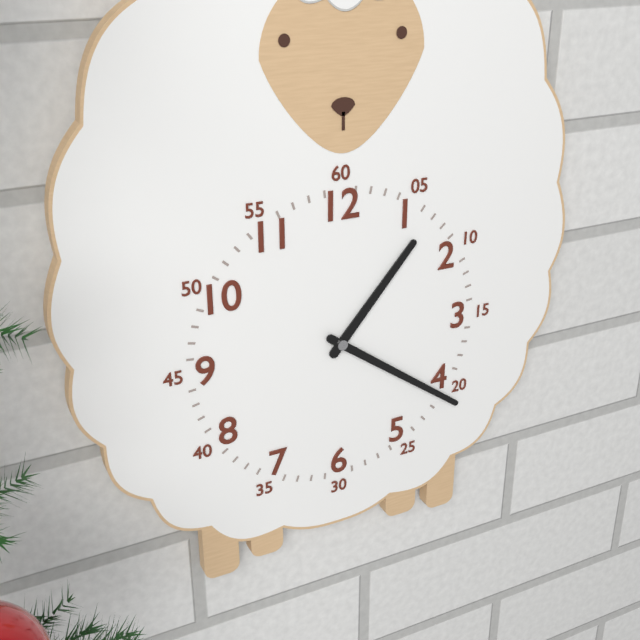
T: 1 h 21 min
